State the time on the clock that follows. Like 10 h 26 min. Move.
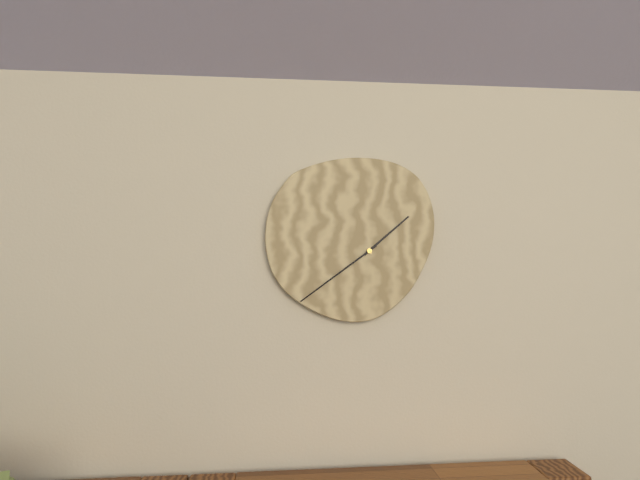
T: 1 h 39 min
